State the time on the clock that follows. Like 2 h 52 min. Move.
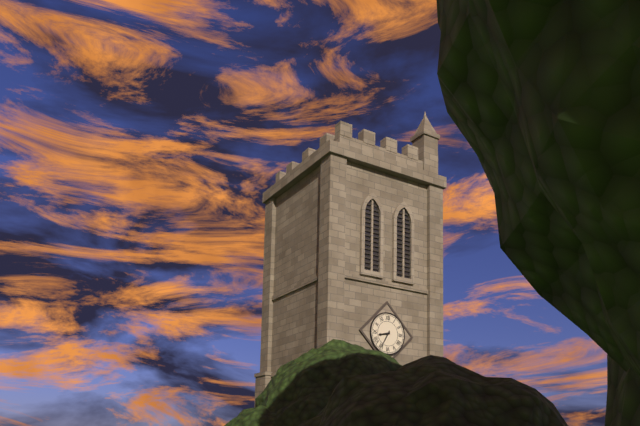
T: 8 h 35 min
